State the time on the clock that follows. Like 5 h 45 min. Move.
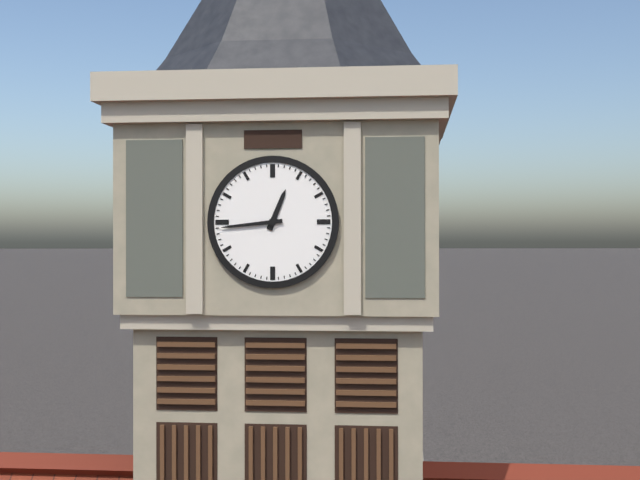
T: 12 h 44 min
